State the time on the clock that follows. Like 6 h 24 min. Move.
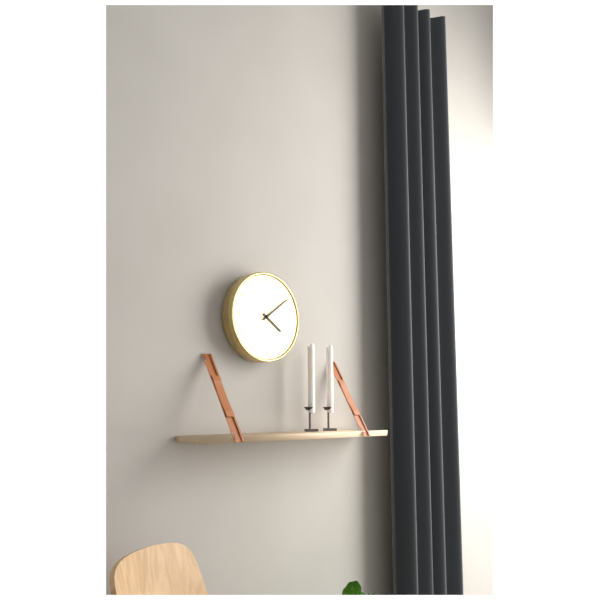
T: 4 h 09 min
